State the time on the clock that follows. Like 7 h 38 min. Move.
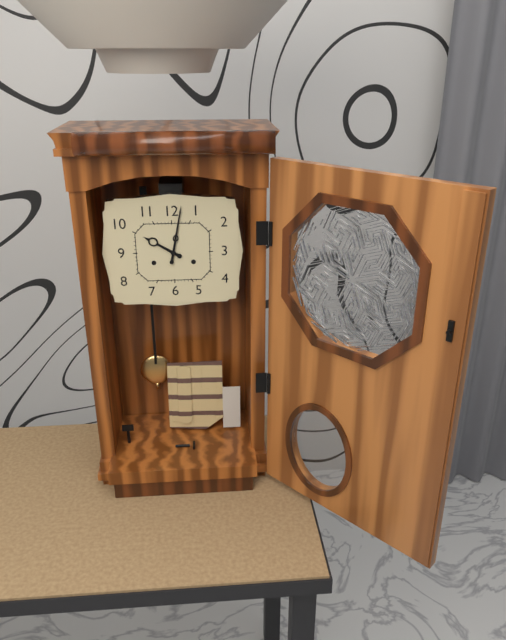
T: 10 h 02 min
